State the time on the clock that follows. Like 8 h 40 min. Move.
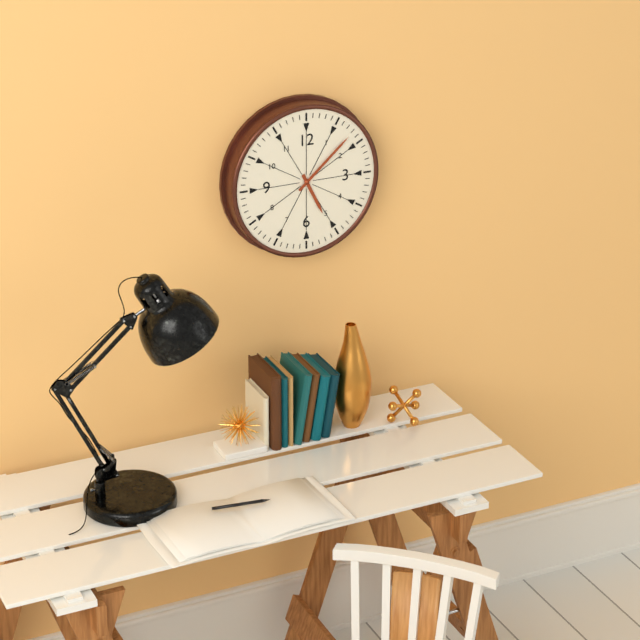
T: 5 h 08 min
